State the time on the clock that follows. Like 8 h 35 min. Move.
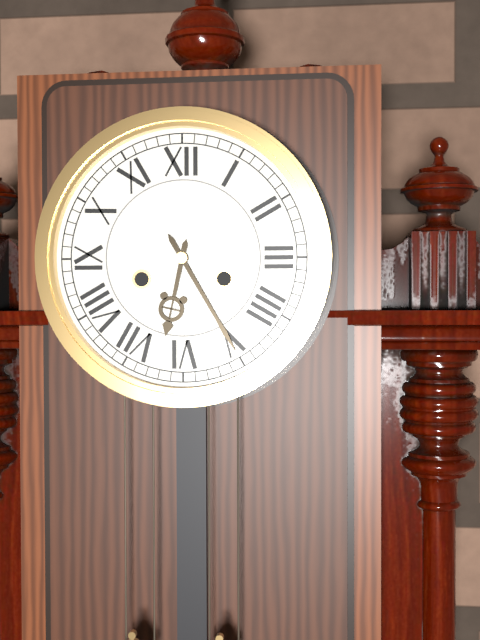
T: 6 h 25 min
